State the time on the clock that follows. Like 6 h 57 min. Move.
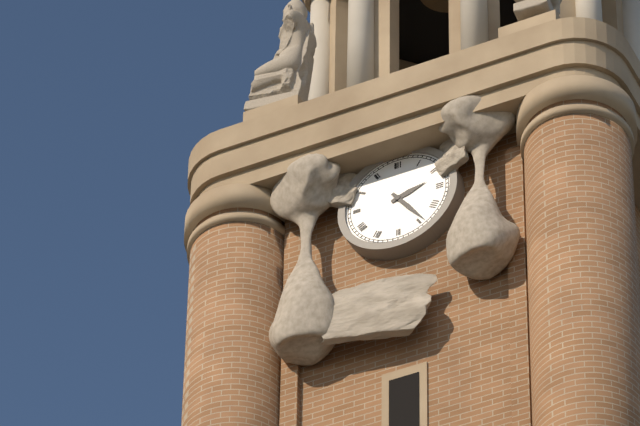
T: 2 h 24 min
